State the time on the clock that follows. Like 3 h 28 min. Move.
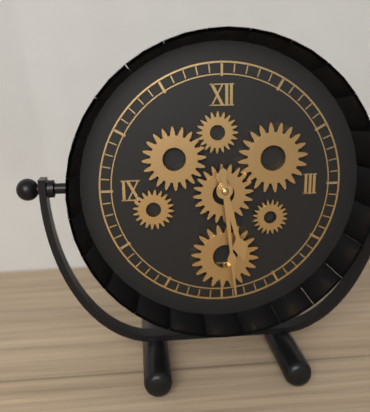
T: 5 h 29 min
